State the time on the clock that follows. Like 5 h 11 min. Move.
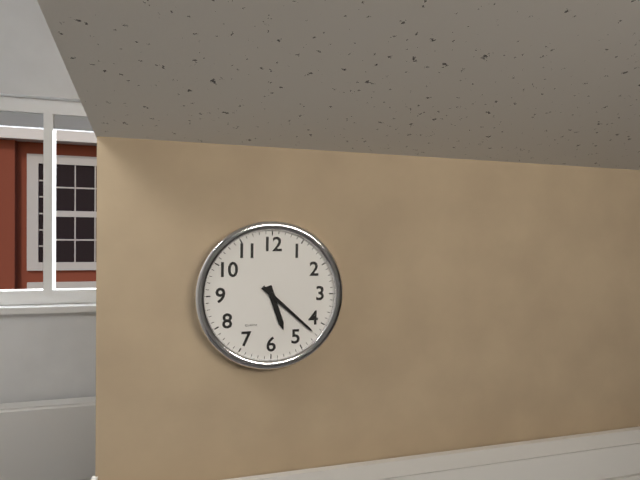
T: 5 h 22 min
